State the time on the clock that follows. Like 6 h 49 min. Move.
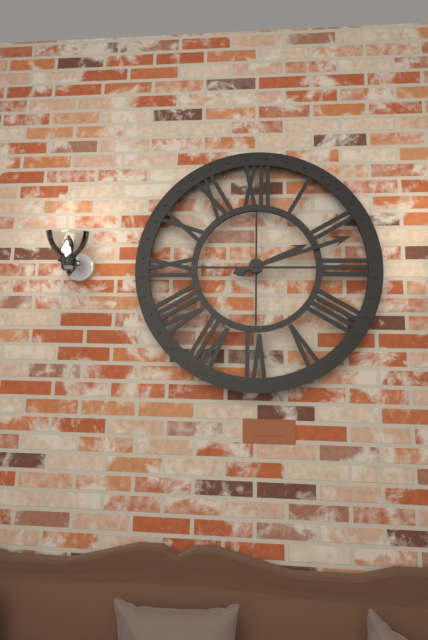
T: 2 h 12 min
